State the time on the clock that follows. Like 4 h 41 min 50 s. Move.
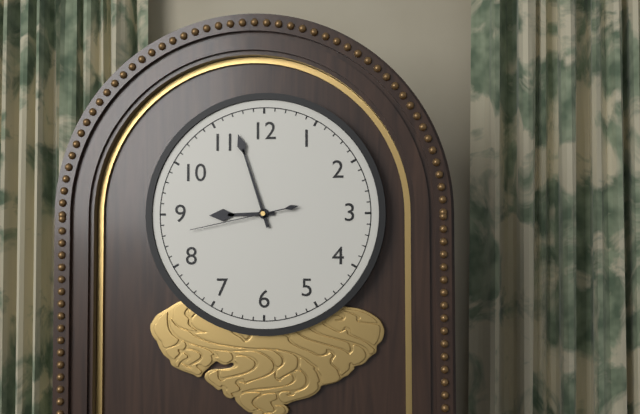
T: 8 h 57 min 43 s
